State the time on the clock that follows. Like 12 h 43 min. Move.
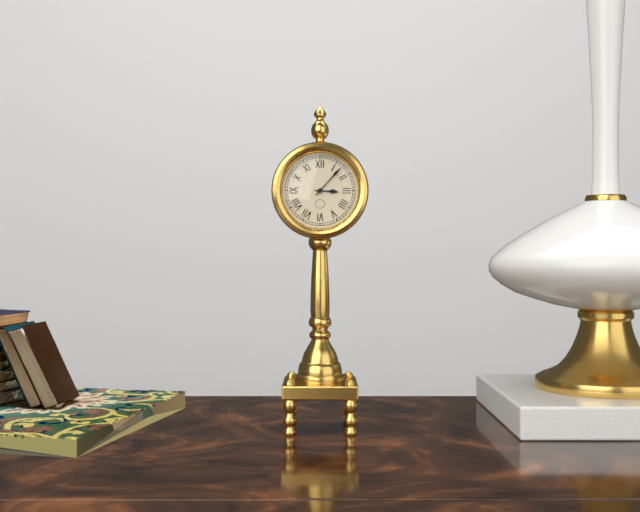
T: 3 h 07 min
